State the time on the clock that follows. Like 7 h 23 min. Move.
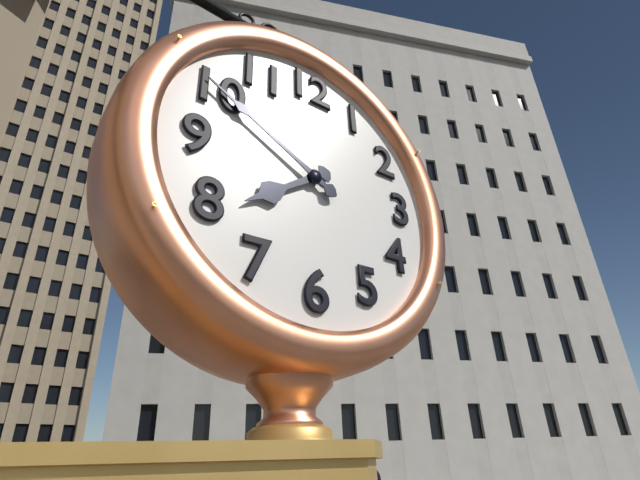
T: 7 h 50 min
